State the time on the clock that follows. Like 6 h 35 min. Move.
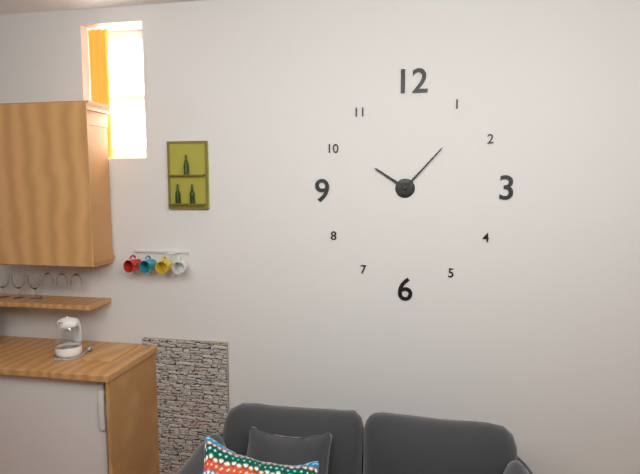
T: 10 h 07 min
